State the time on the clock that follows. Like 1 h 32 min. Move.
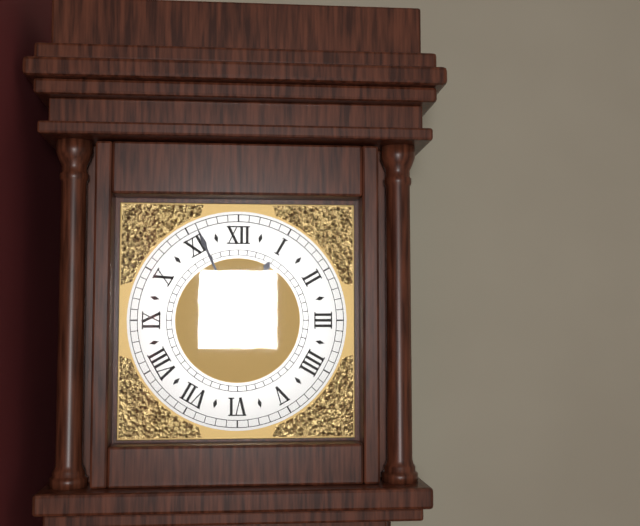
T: 12 h 56 min
